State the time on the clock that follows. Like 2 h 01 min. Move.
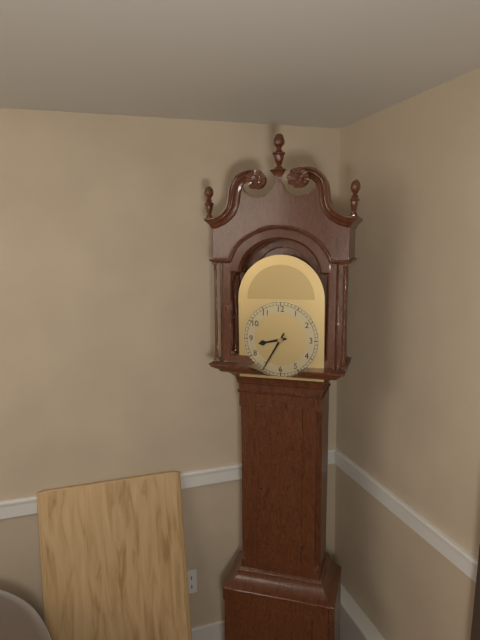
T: 8 h 35 min
